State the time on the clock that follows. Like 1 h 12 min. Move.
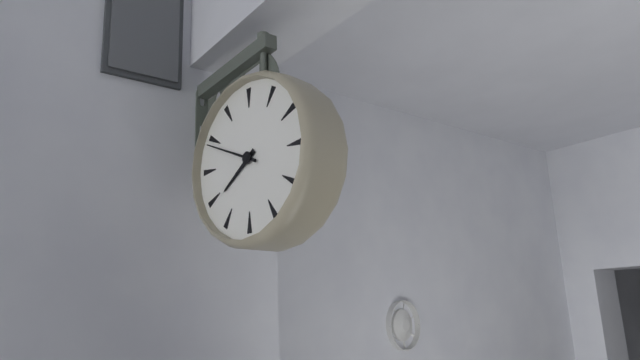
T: 7 h 49 min
